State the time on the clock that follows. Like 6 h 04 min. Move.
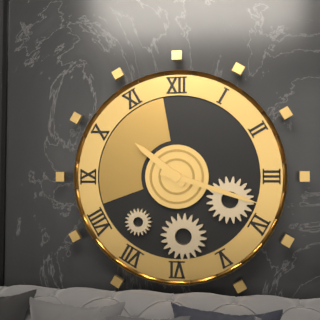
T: 10 h 18 min
